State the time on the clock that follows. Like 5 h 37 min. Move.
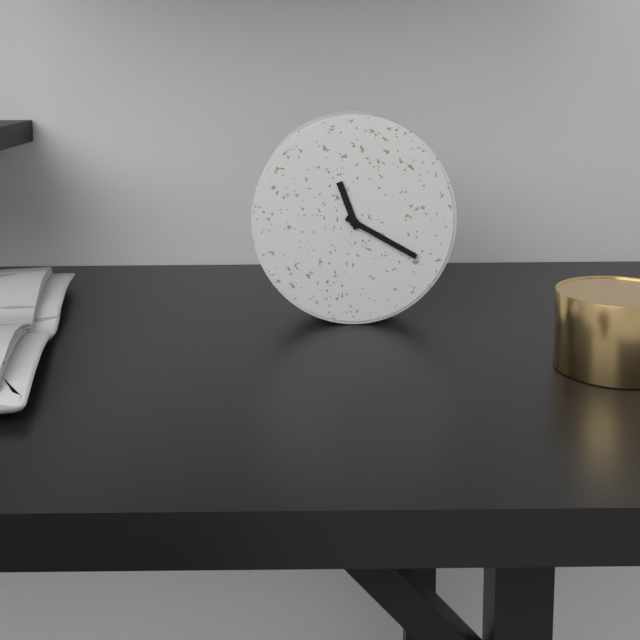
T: 11 h 20 min
